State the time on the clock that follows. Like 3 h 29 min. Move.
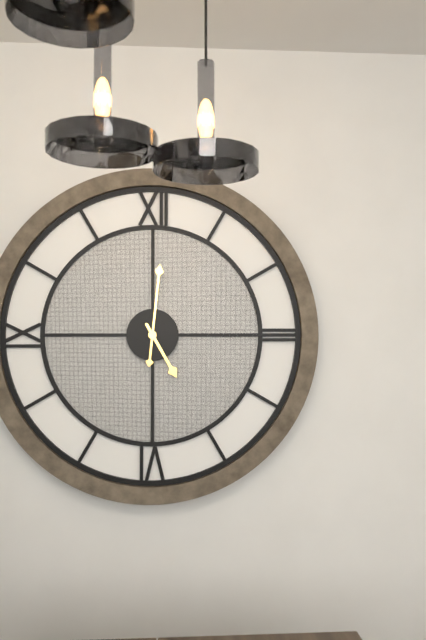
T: 5 h 01 min
